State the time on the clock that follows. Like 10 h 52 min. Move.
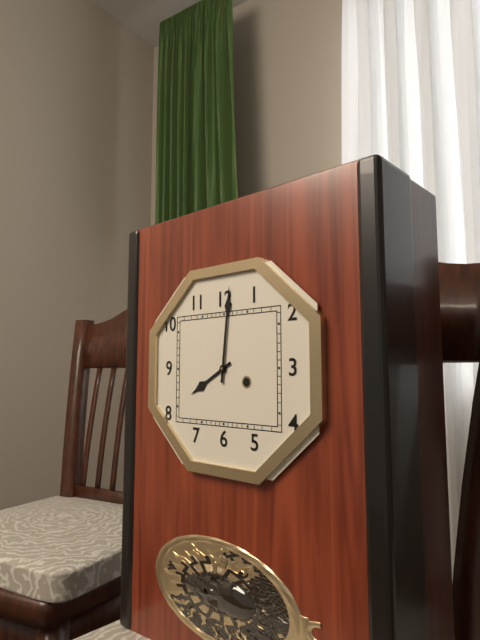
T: 8 h 01 min
